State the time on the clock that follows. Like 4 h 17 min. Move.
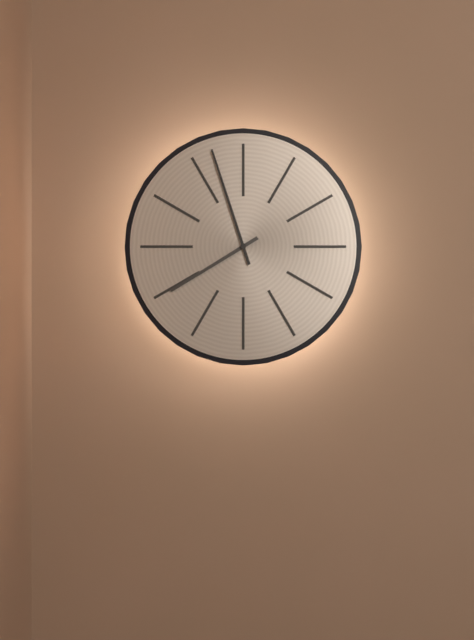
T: 7 h 57 min
